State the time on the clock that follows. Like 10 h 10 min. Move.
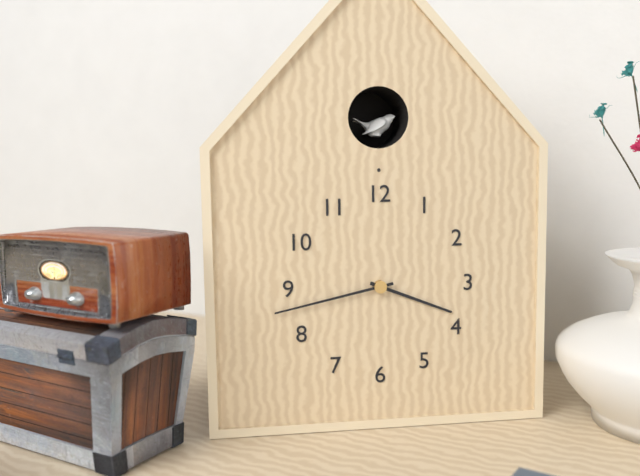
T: 3 h 43 min
